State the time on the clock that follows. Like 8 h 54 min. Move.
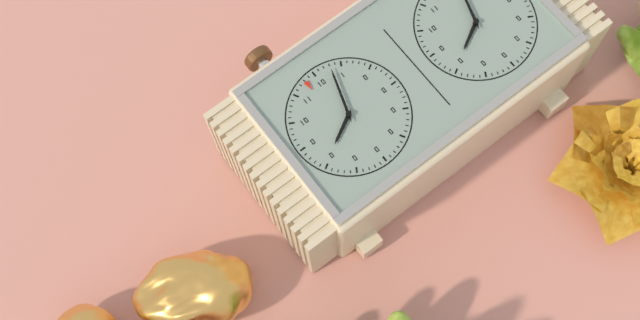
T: 8 h 03 min
